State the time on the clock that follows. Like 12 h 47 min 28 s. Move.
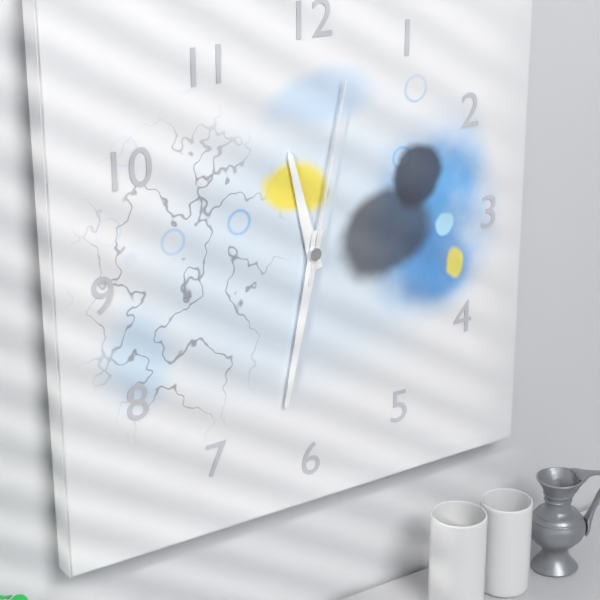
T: 11 h 32 min 02 s
